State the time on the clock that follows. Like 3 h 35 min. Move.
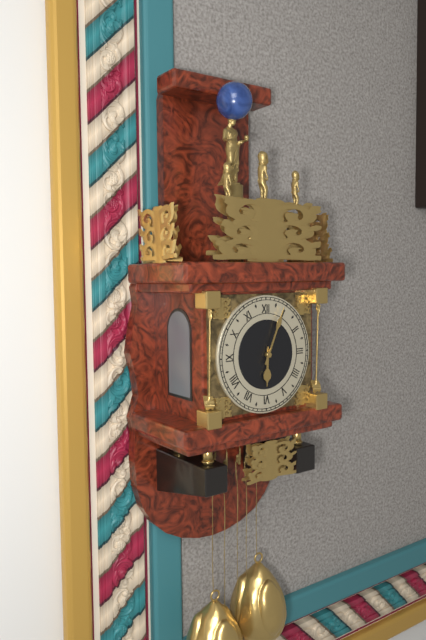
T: 6 h 04 min
